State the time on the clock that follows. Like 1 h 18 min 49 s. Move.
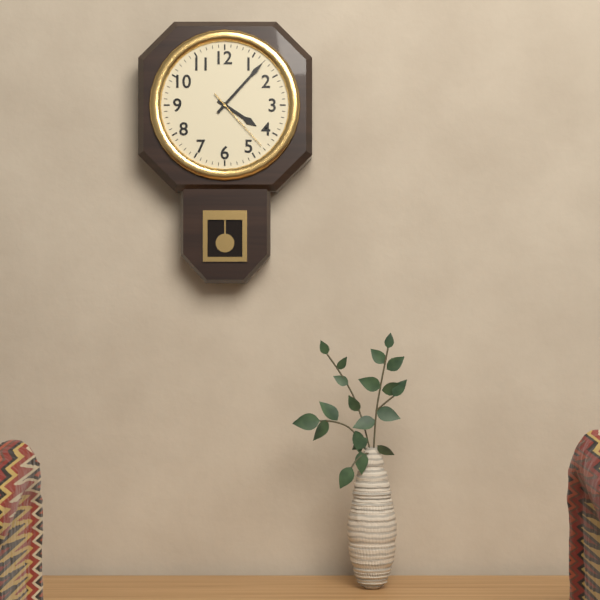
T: 4 h 07 min 23 s
